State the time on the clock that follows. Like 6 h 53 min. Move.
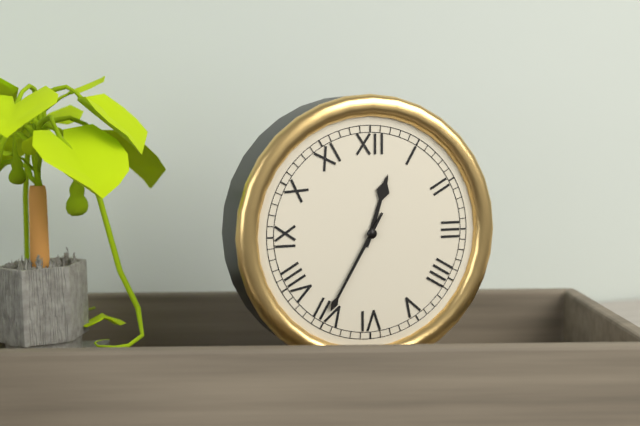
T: 12 h 35 min
